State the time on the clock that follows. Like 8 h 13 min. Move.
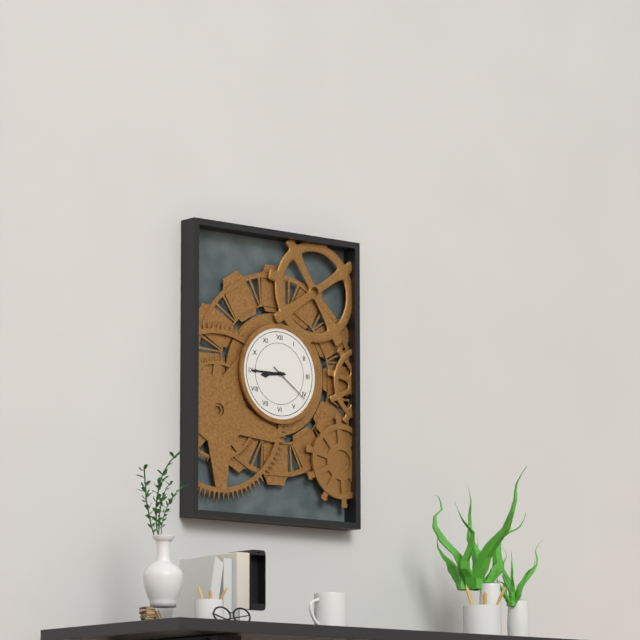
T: 8 h 45 min
